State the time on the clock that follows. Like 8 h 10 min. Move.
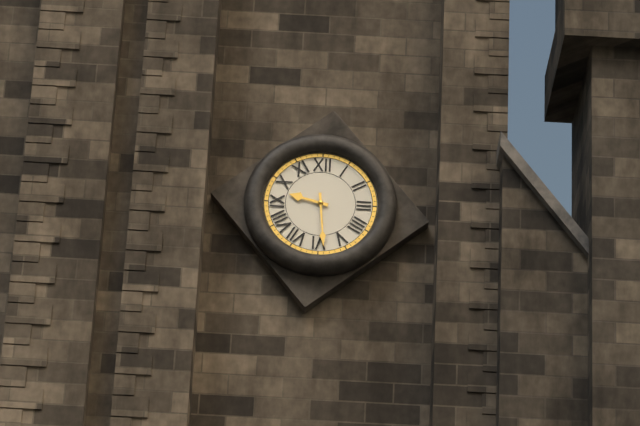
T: 9 h 29 min
